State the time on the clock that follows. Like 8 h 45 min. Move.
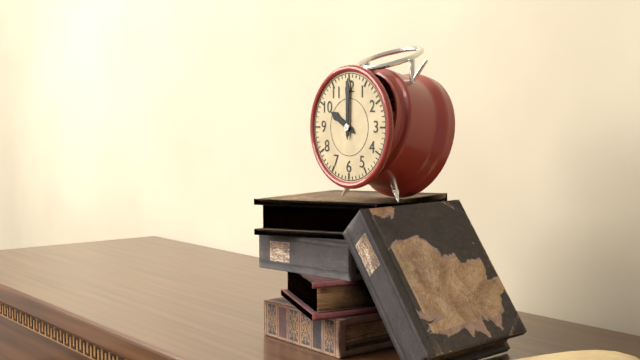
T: 10 h 00 min
